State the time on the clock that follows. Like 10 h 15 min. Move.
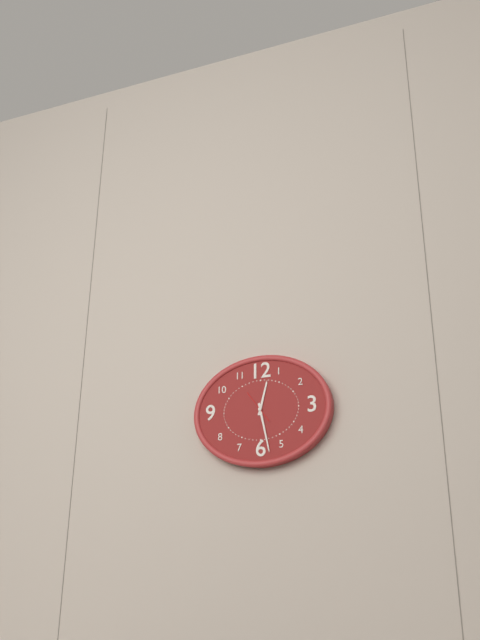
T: 12 h 28 min
